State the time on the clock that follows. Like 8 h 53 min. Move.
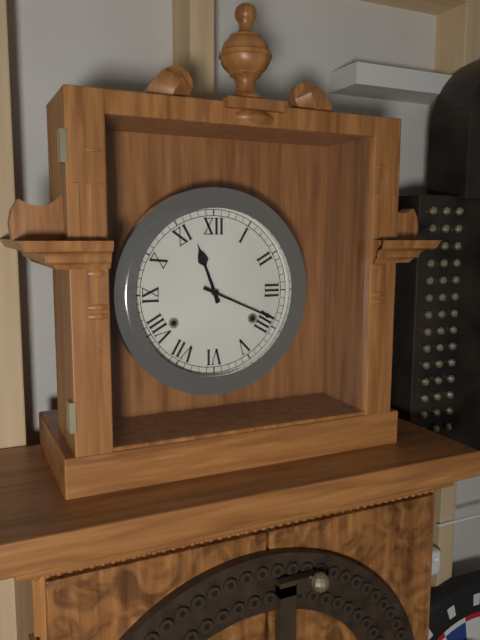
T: 11 h 19 min
